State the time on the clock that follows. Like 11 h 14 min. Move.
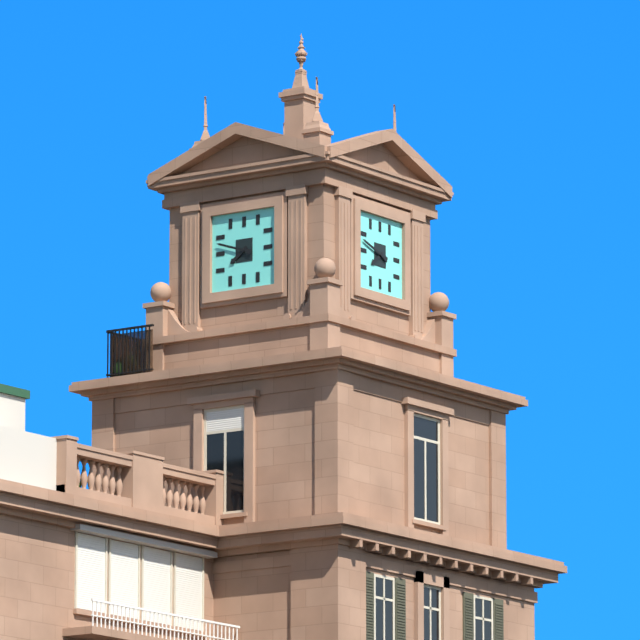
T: 7 h 48 min
